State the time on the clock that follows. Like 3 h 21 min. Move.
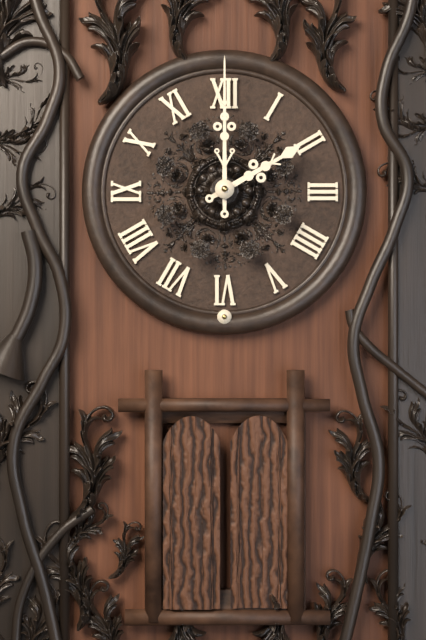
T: 2 h 00 min
